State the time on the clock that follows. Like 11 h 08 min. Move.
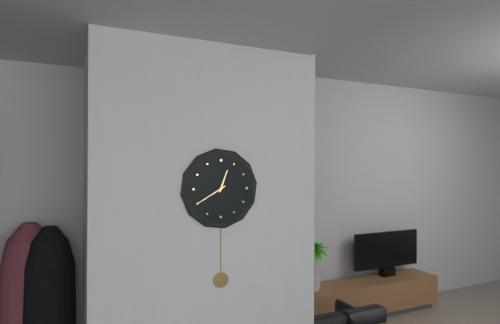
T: 12 h 40 min
